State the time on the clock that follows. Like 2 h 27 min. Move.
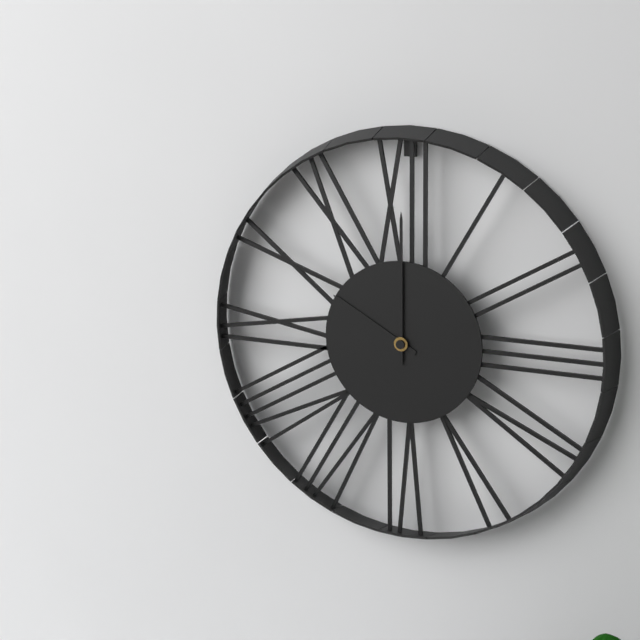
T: 10 h 00 min
